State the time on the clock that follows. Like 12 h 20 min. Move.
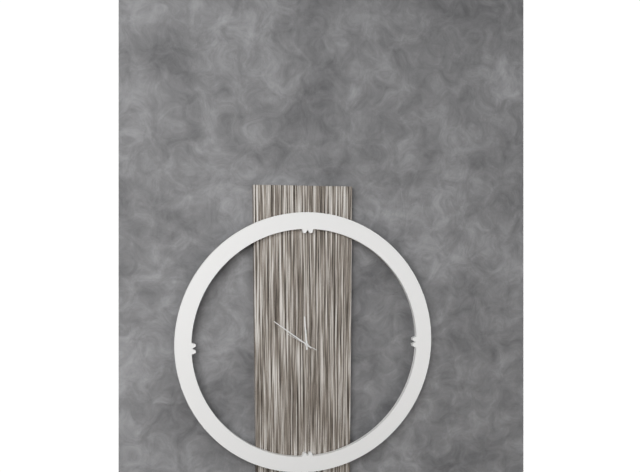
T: 11 h 51 min
